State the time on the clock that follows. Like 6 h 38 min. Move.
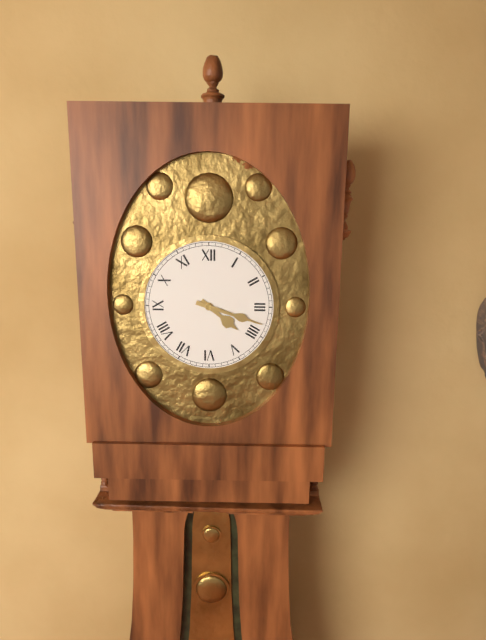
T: 4 h 18 min
